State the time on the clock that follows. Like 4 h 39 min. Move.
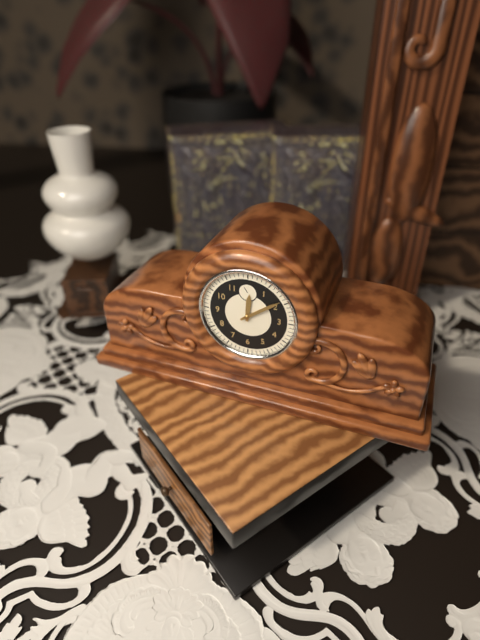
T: 12 h 09 min
